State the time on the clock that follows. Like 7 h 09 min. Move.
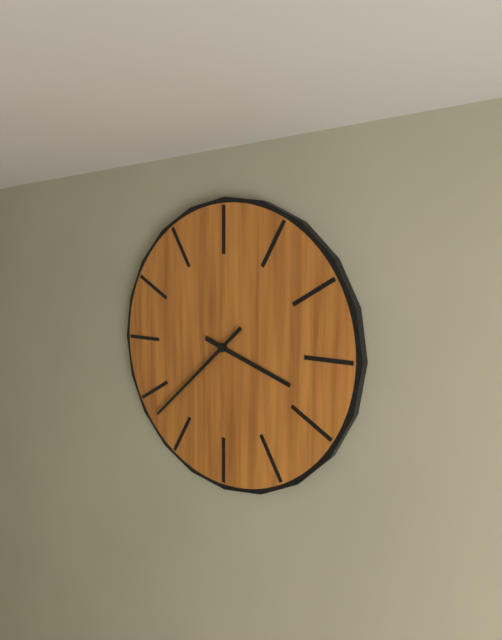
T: 3 h 38 min
